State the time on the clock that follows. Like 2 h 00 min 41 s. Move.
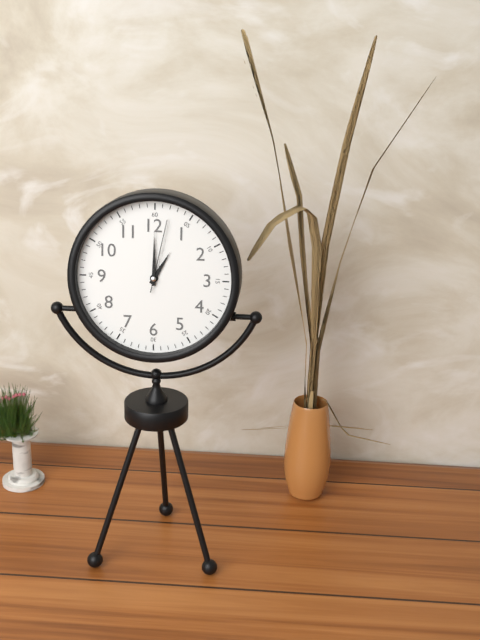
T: 1 h 00 min 02 s
